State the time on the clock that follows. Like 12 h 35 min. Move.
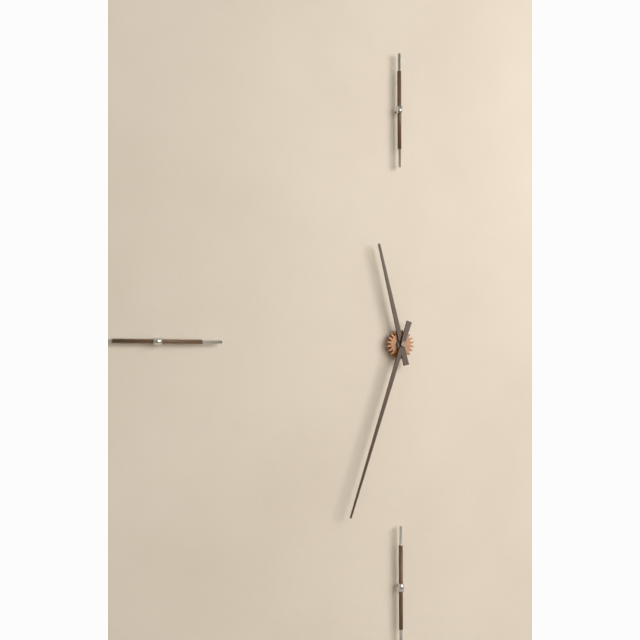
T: 11 h 33 min
